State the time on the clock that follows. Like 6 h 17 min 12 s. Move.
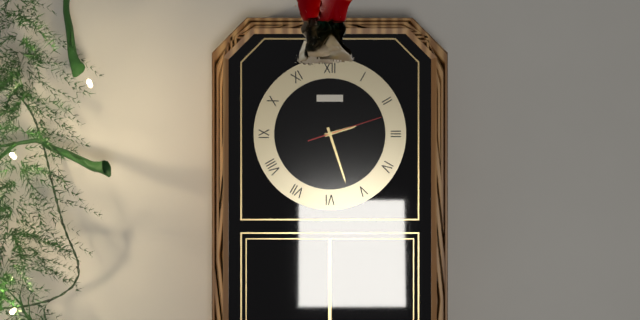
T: 2 h 27 min 12 s
